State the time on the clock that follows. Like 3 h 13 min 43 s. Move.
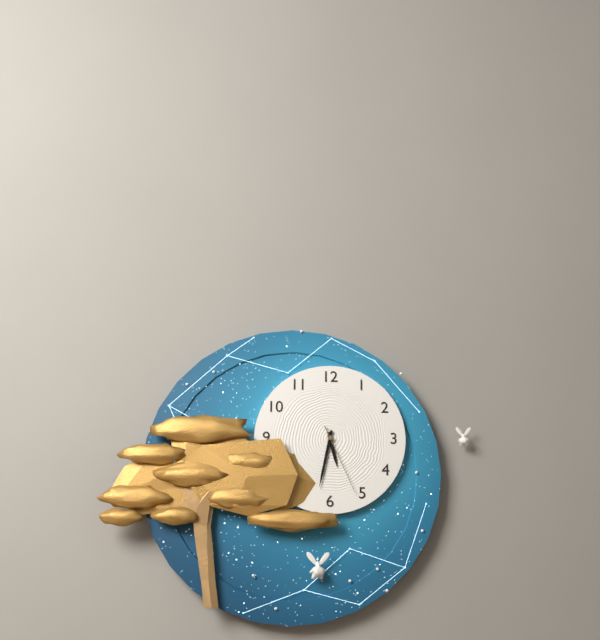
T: 5 h 32 min 26 s
